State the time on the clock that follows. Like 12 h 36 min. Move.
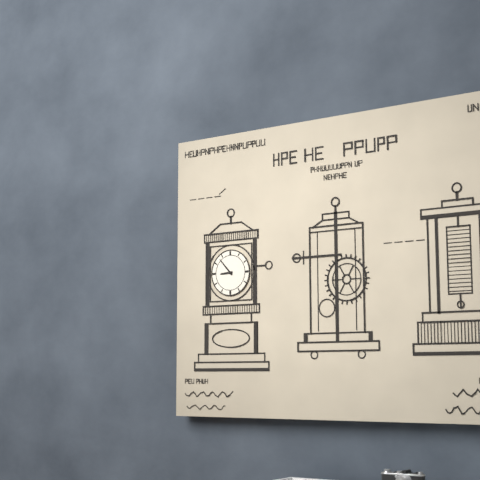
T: 8 h 53 min
